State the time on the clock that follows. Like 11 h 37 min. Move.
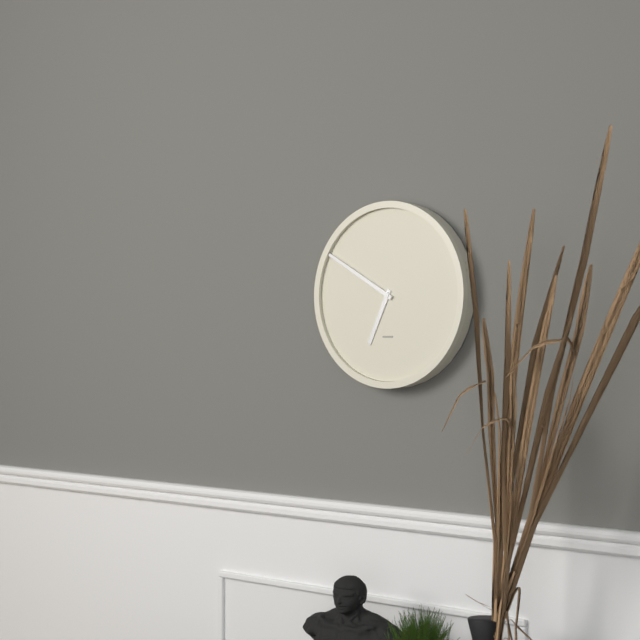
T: 6 h 50 min
